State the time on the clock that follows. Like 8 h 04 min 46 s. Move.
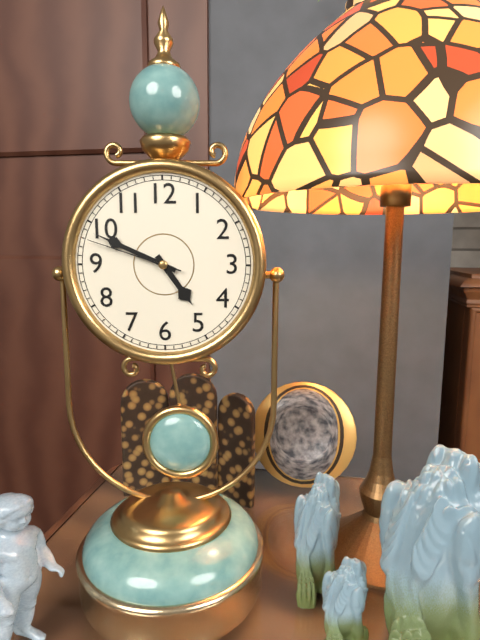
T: 4 h 49 min 48 s
